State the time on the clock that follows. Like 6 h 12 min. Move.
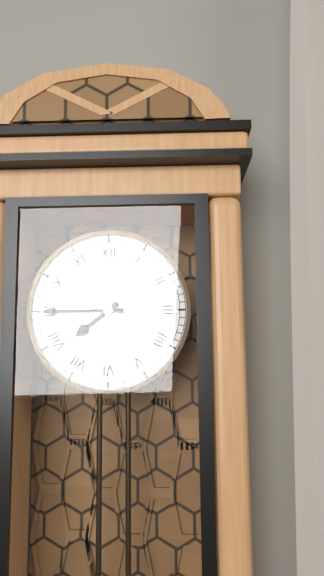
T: 7 h 45 min
